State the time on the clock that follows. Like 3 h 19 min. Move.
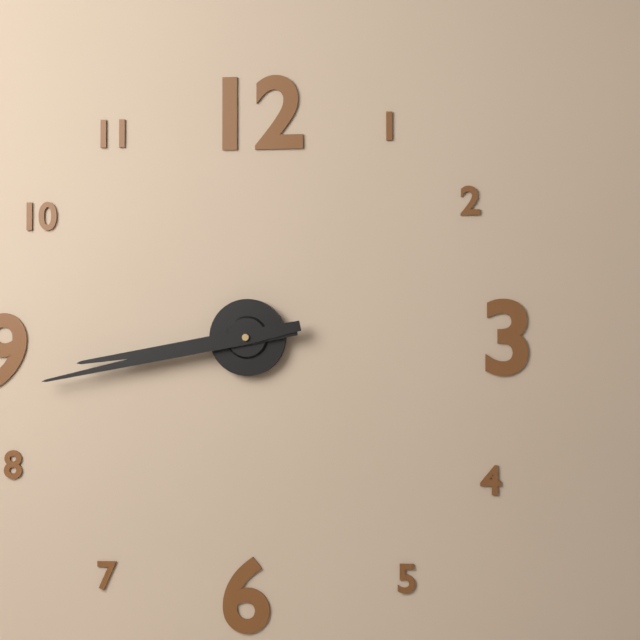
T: 8 h 43 min
